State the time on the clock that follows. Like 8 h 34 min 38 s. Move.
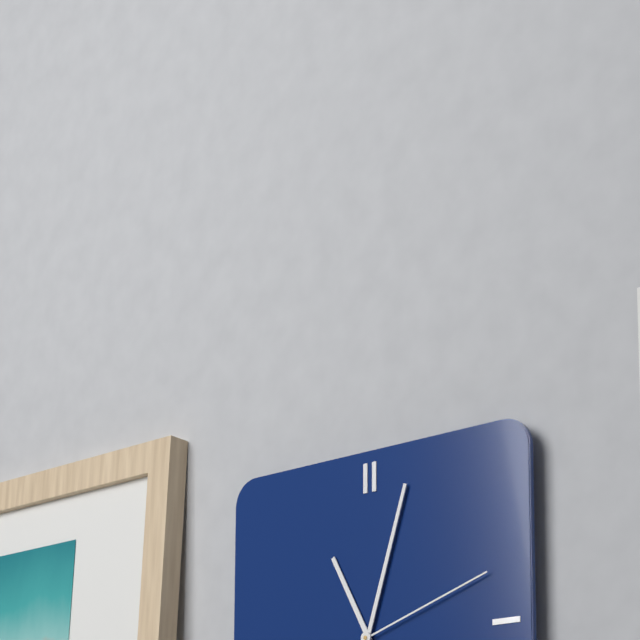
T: 11 h 03 min 12 s
